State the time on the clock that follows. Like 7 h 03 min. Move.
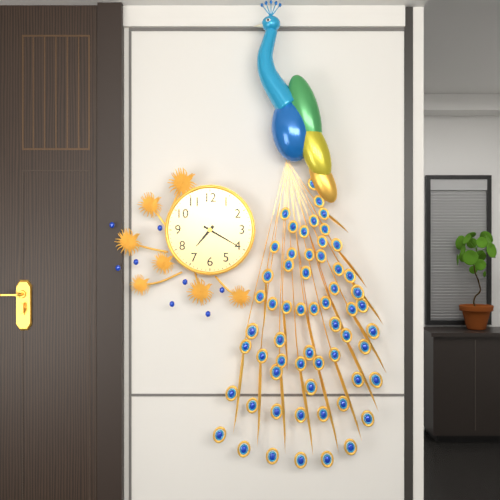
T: 7 h 20 min
